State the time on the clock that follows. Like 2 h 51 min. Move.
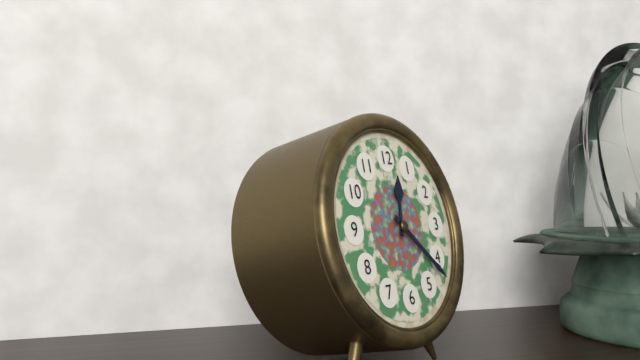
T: 12 h 22 min
